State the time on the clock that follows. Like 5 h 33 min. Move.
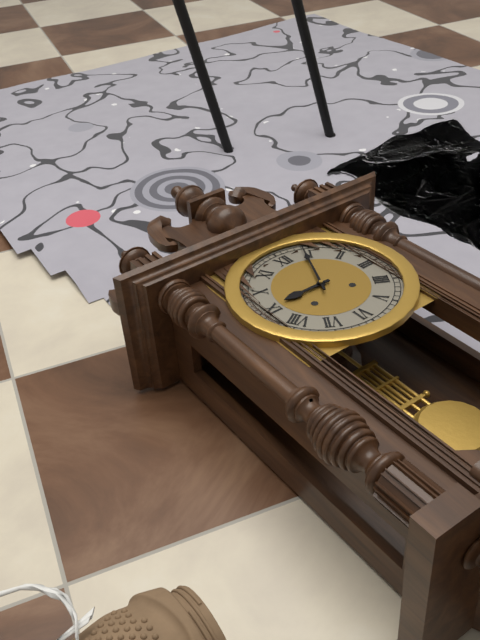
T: 9 h 04 min
